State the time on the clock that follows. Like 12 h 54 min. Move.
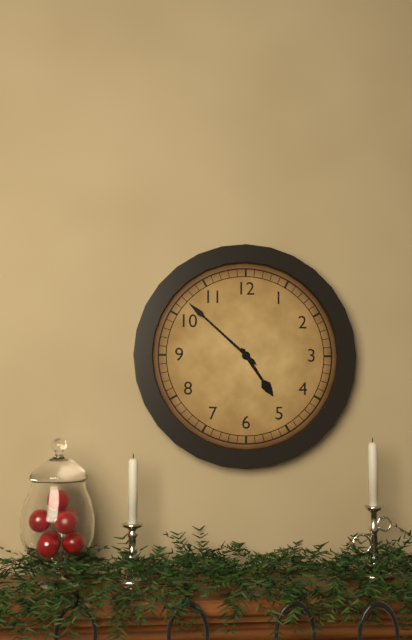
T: 4 h 52 min
